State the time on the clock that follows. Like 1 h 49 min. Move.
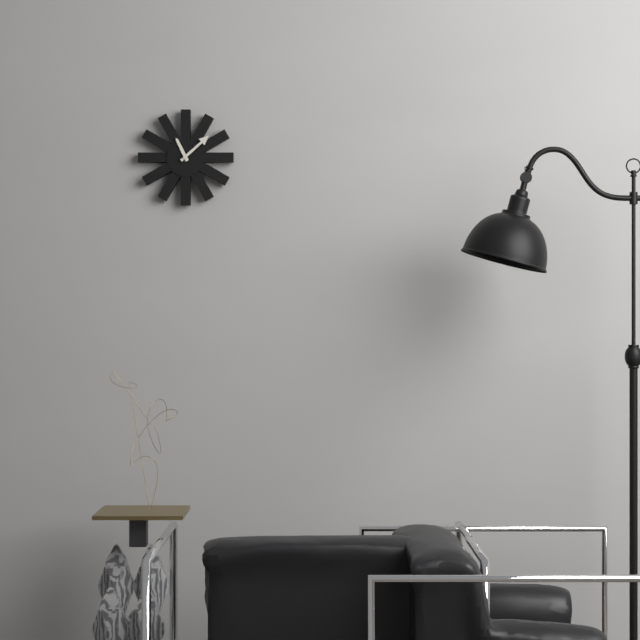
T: 11 h 08 min
